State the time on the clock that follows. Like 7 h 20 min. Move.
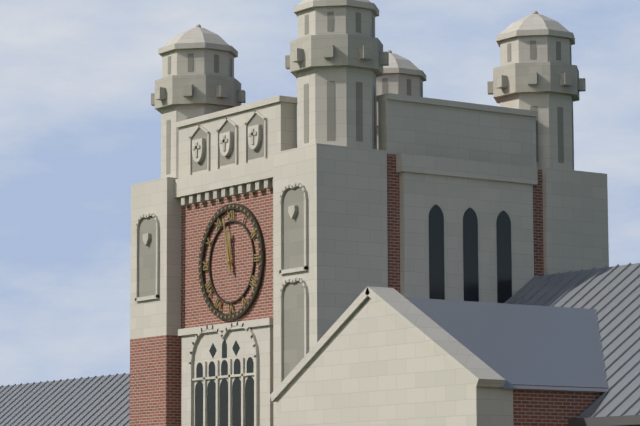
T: 11 h 58 min
